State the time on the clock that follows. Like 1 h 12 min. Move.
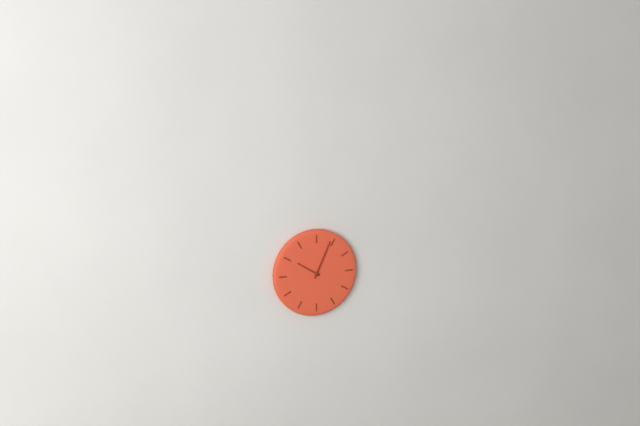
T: 10 h 04 min
